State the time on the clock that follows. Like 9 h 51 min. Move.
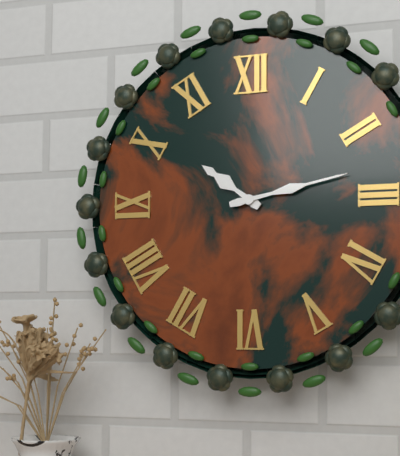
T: 10 h 13 min
